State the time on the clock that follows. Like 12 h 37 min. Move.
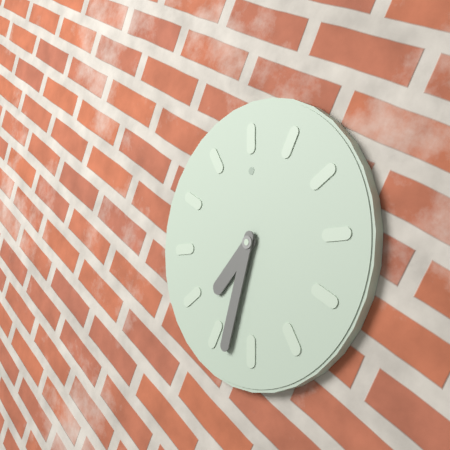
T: 7 h 33 min
